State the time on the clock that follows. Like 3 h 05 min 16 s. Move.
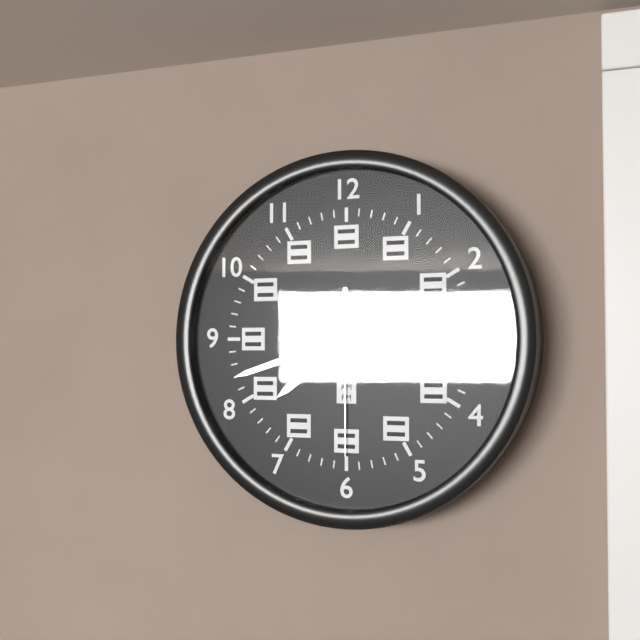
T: 7 h 42 min 30 s
